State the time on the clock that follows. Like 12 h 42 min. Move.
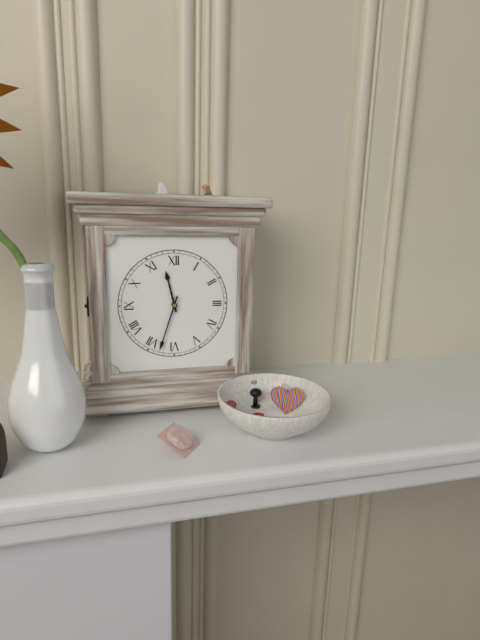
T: 11 h 33 min
